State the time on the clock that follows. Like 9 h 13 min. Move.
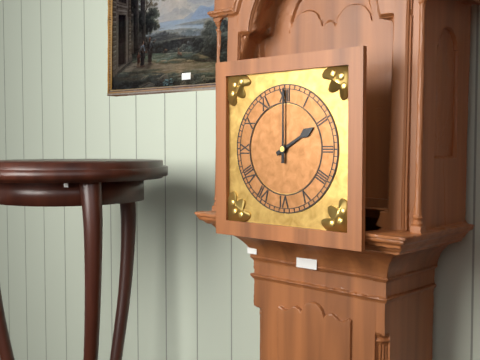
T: 2 h 00 min
